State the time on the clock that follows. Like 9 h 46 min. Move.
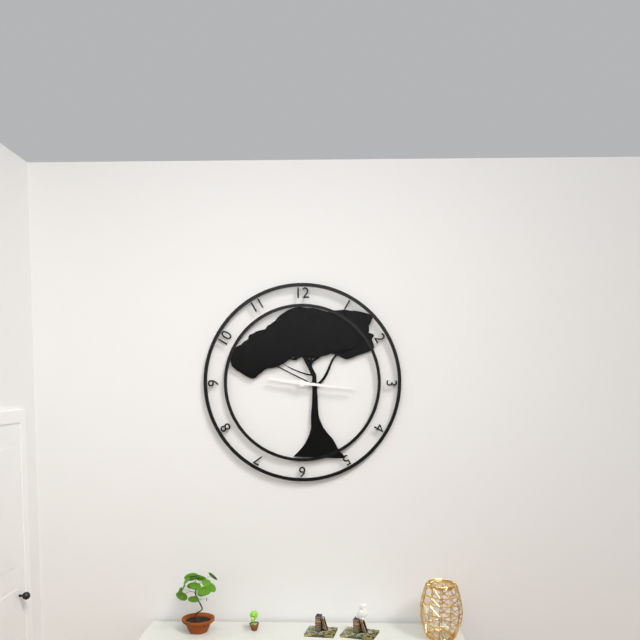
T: 9 h 16 min
